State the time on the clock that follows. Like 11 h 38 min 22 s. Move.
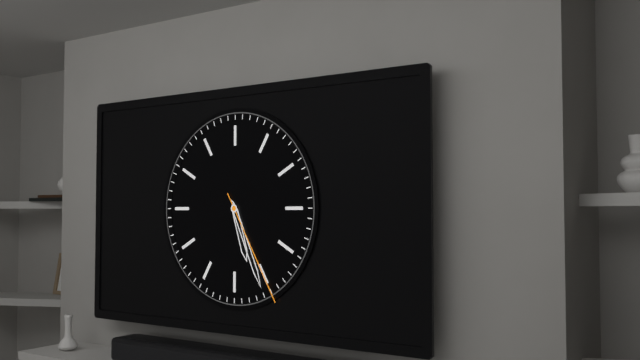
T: 5 h 26 min 25 s
